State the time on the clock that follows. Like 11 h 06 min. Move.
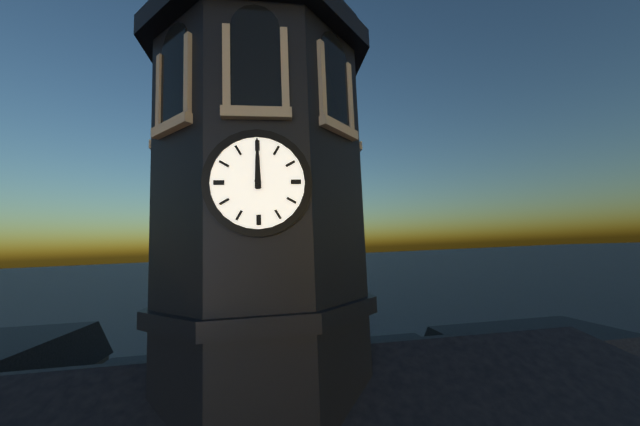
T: 12 h 00 min
